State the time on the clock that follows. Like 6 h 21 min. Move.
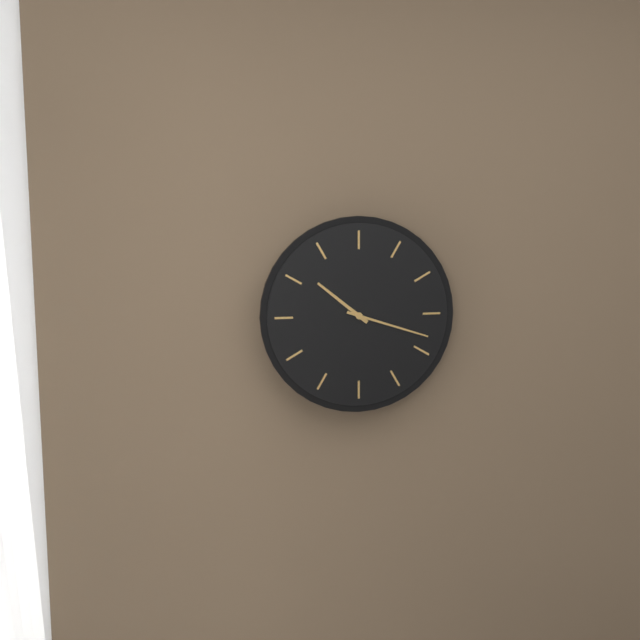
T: 10 h 18 min
